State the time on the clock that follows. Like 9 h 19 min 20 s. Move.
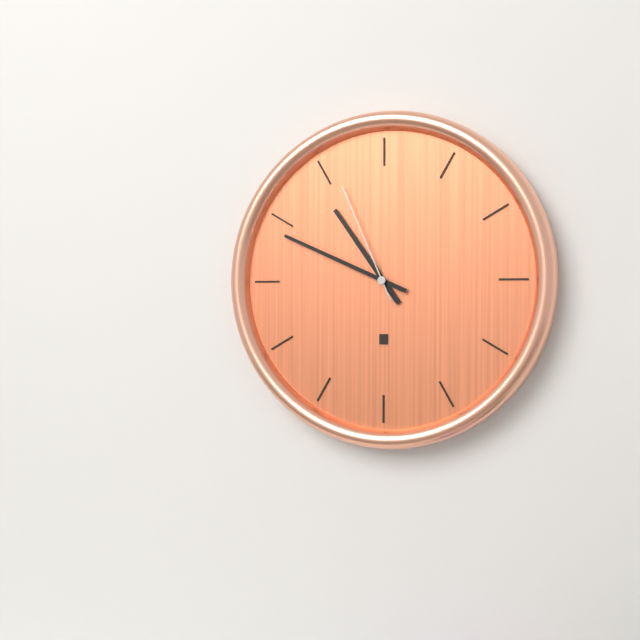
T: 10 h 49 min 56 s
